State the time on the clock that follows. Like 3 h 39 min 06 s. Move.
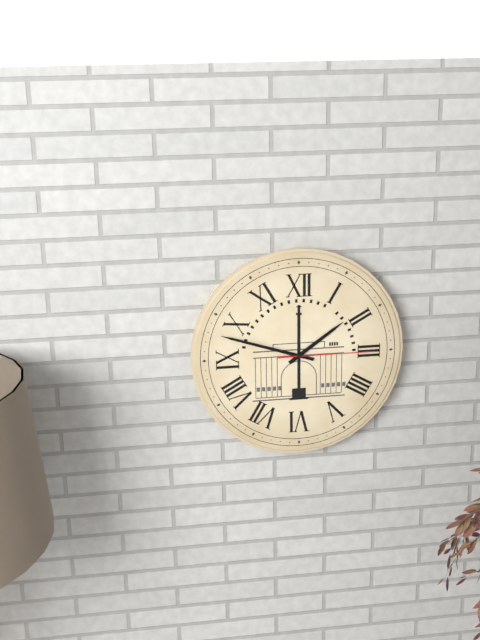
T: 1 h 48 min 15 s
